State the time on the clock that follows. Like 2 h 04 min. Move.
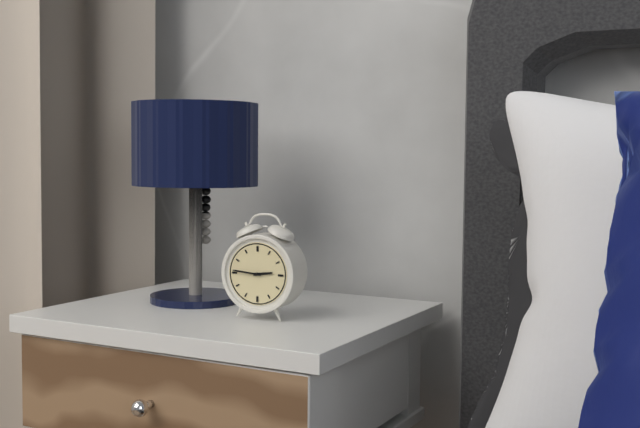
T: 2 h 46 min
